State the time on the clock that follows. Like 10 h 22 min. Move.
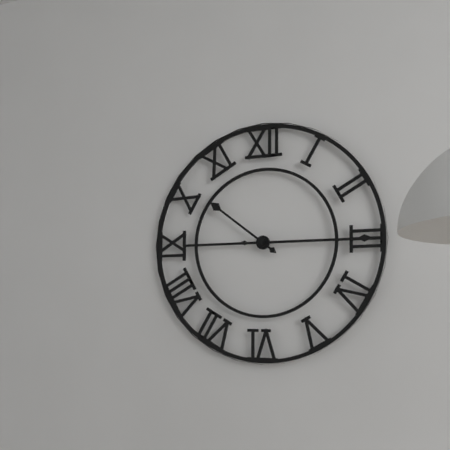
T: 10 h 15 min
